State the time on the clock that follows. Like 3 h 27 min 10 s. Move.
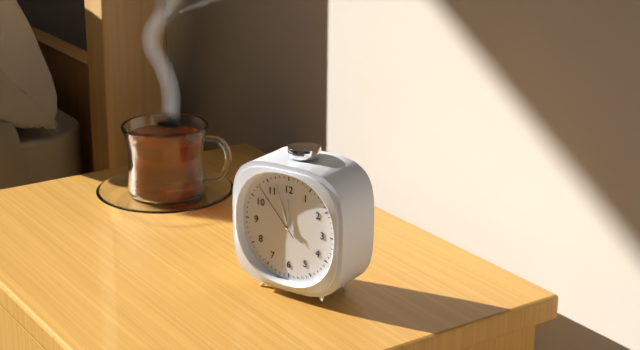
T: 11 h 57 min 53 s
